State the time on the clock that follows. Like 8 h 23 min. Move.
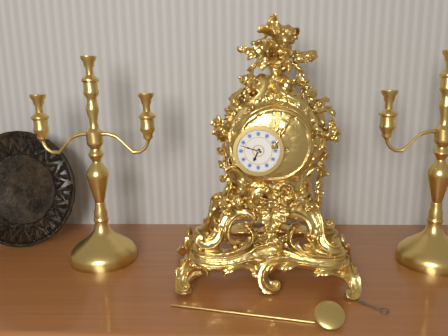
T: 6 h 48 min
